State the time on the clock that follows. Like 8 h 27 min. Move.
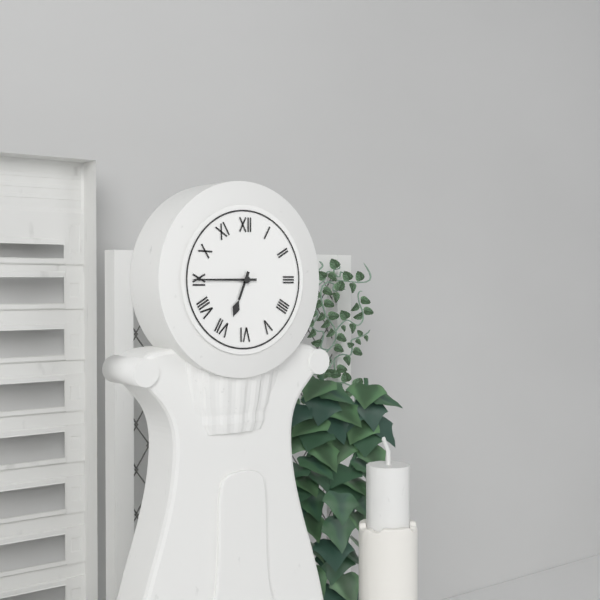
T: 6 h 45 min
